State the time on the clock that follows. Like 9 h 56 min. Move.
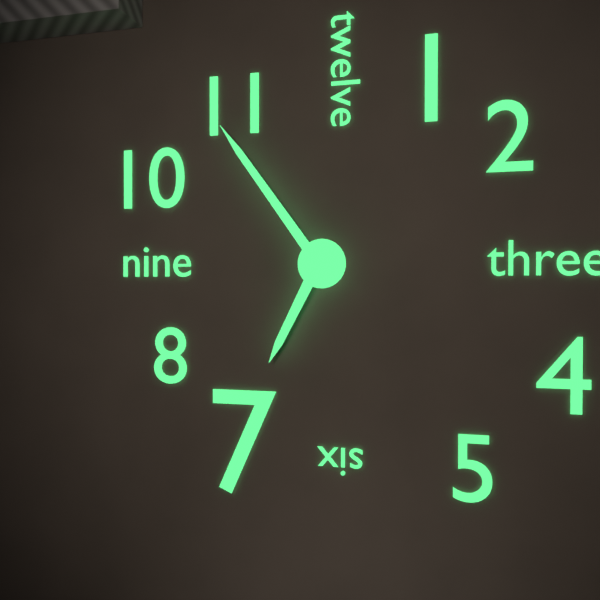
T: 6 h 54 min
